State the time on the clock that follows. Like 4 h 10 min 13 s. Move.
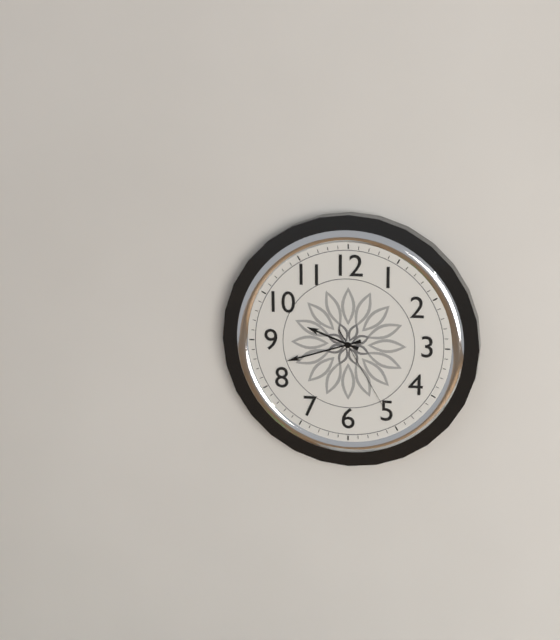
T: 9 h 42 min 25 s
